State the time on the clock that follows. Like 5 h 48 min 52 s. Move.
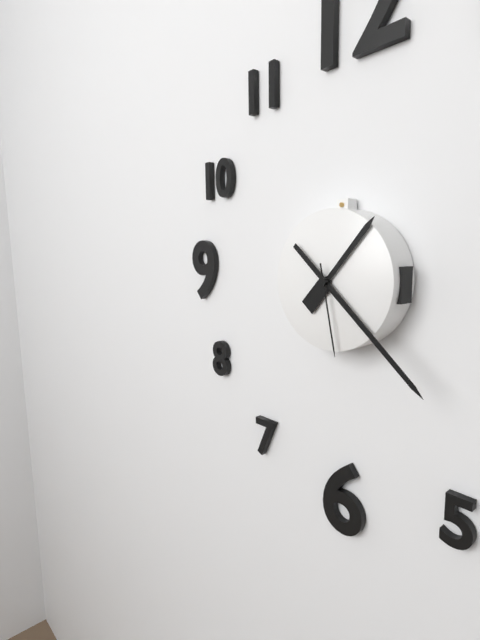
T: 1 h 22 min 28 s
